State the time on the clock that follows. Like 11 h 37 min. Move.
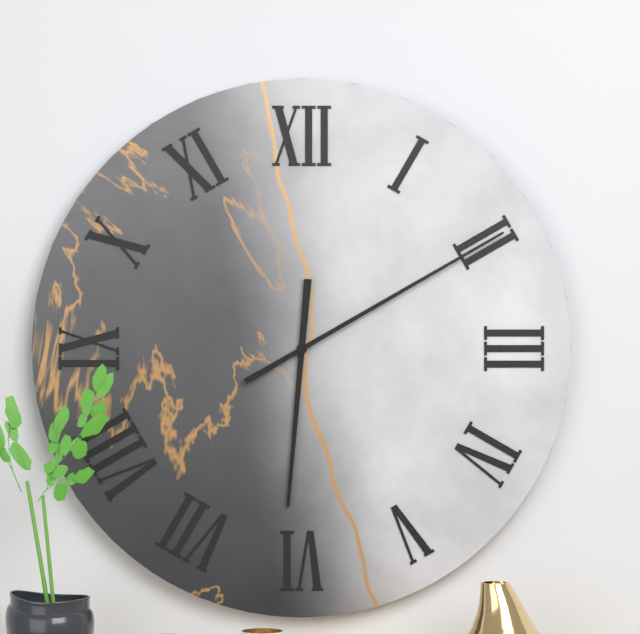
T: 6 h 10 min
